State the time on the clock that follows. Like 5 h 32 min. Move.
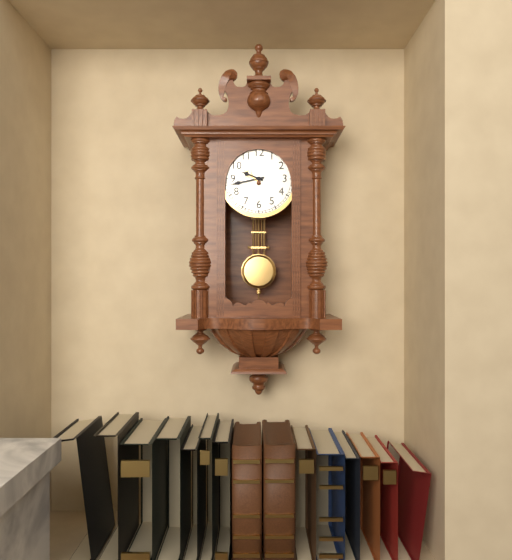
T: 9 h 43 min
